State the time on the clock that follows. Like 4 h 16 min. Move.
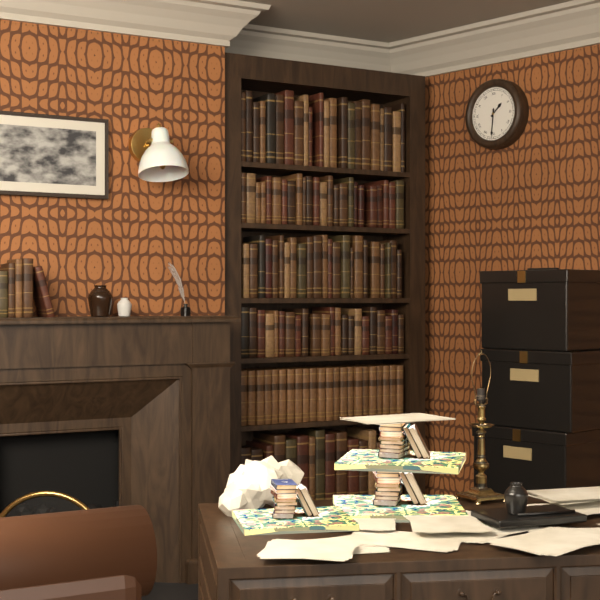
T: 1 h 31 min
